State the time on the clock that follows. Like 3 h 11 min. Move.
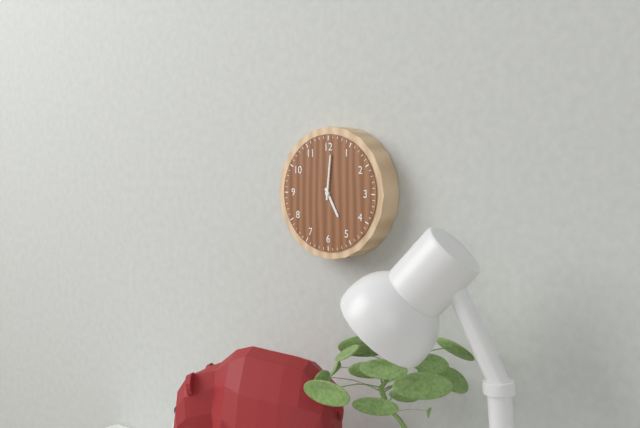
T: 5 h 01 min
